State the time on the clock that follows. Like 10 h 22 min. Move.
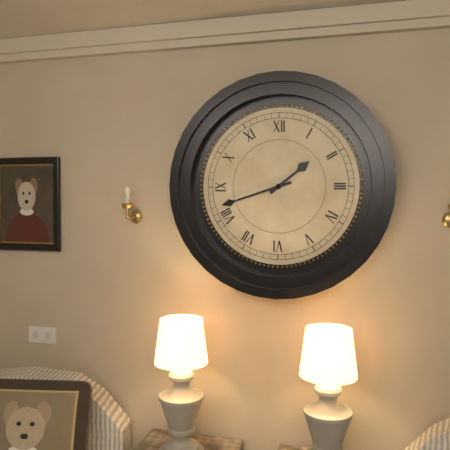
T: 1 h 42 min
